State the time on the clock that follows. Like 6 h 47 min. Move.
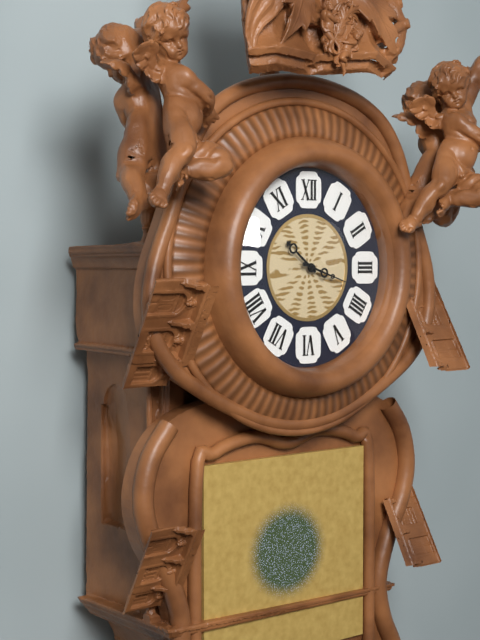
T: 10 h 18 min
